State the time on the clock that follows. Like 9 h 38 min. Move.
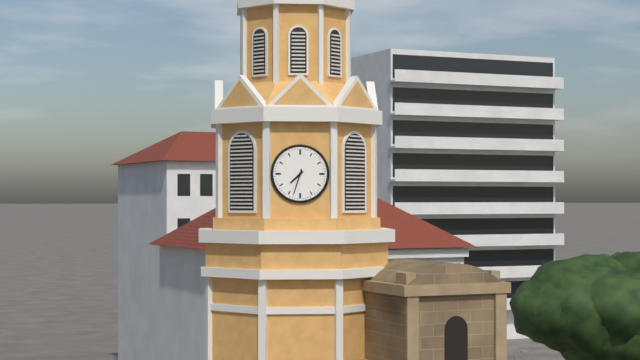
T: 7 h 33 min
